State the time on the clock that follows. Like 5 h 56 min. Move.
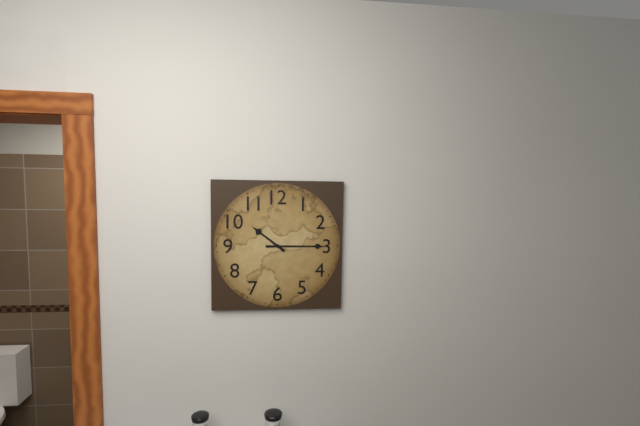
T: 10 h 15 min
